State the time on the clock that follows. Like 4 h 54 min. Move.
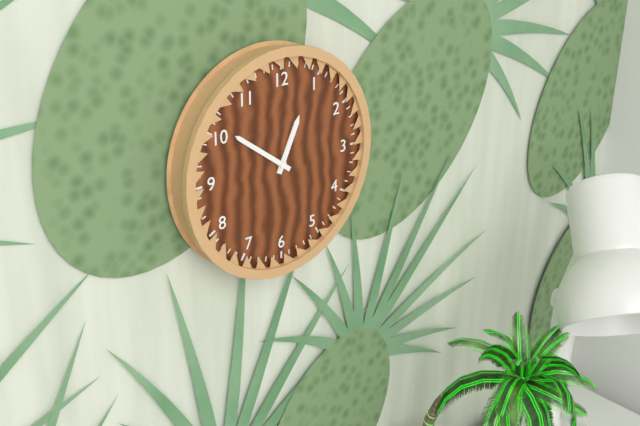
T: 12 h 51 min
